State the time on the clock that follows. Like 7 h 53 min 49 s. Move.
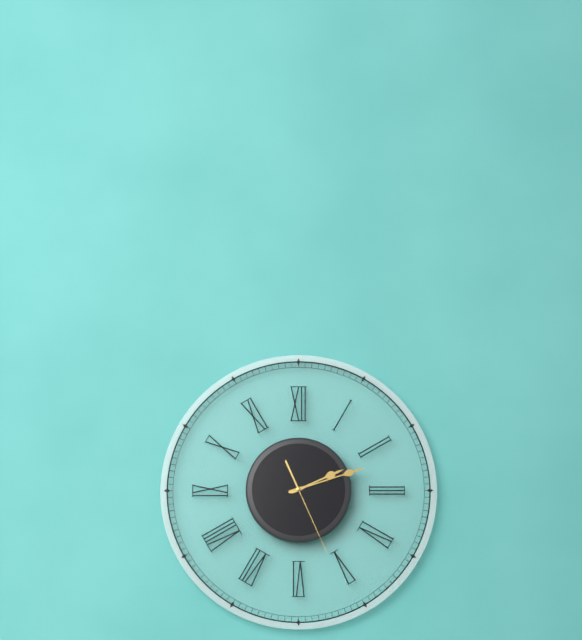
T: 2 h 12 min 26 s
